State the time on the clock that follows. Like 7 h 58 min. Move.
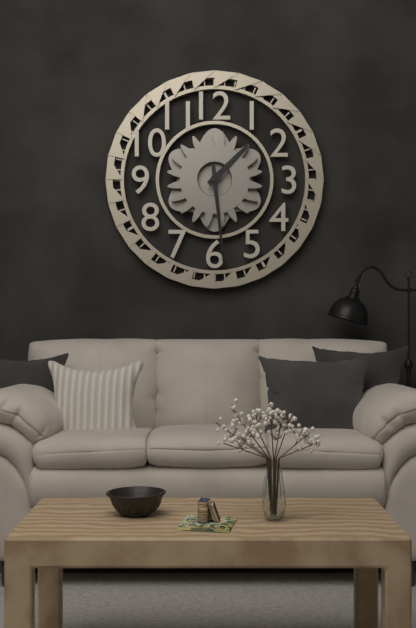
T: 1 h 29 min
